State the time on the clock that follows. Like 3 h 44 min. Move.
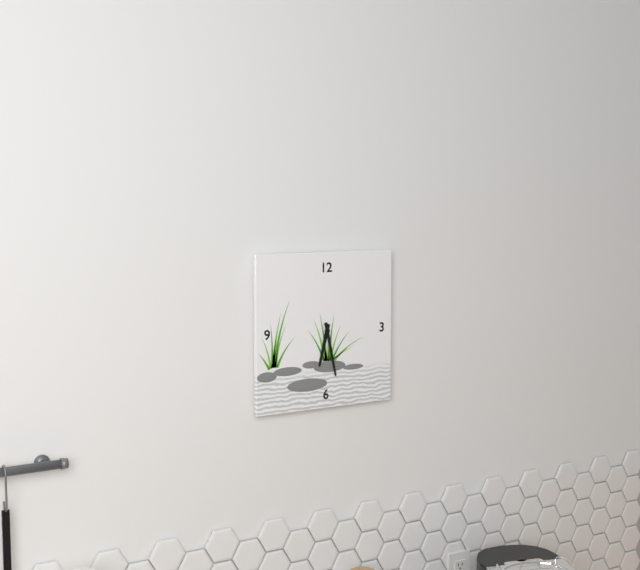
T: 6 h 28 min
